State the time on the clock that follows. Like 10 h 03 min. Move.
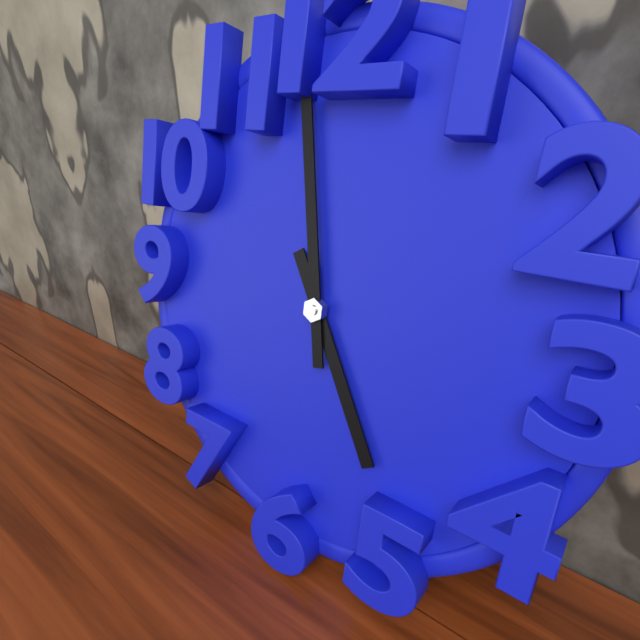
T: 4 h 58 min
